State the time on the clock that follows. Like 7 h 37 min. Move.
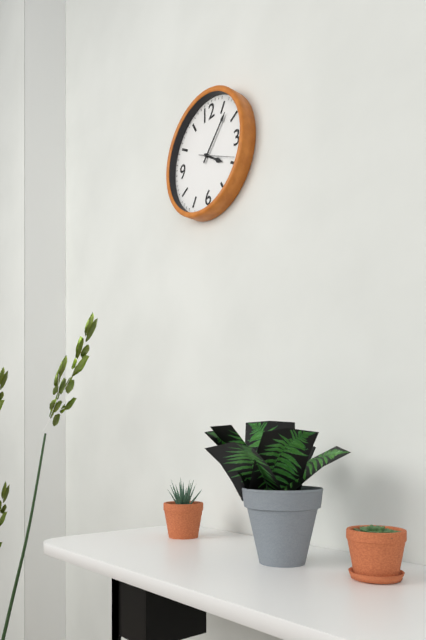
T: 4 h 07 min
